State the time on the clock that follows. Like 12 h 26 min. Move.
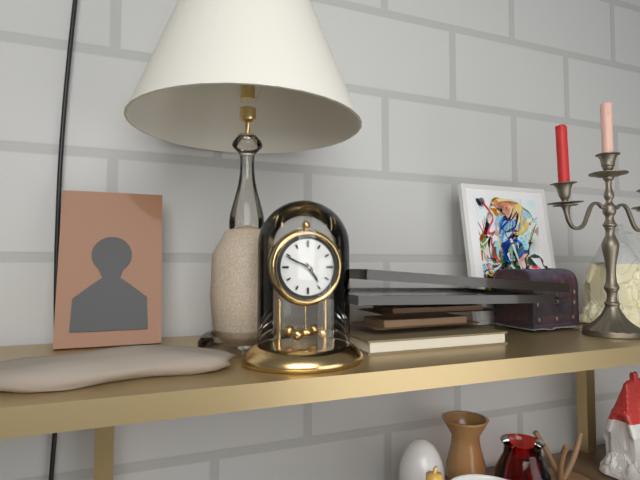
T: 4 h 49 min
